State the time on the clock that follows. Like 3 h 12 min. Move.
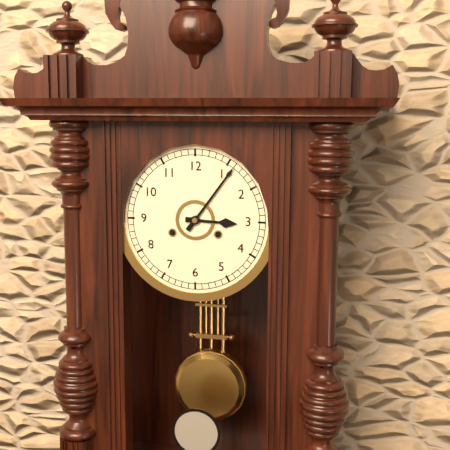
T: 3 h 06 min
